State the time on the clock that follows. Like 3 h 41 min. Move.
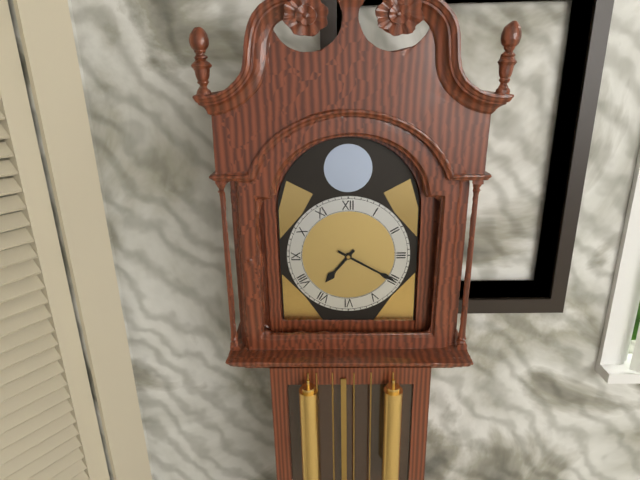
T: 7 h 20 min
